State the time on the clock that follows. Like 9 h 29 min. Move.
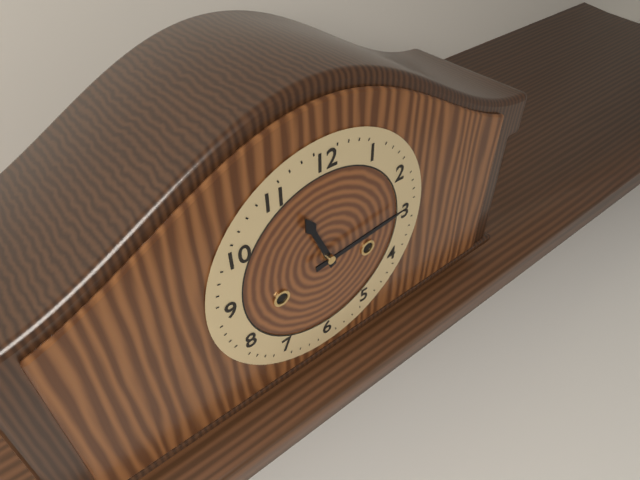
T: 11 h 14 min
